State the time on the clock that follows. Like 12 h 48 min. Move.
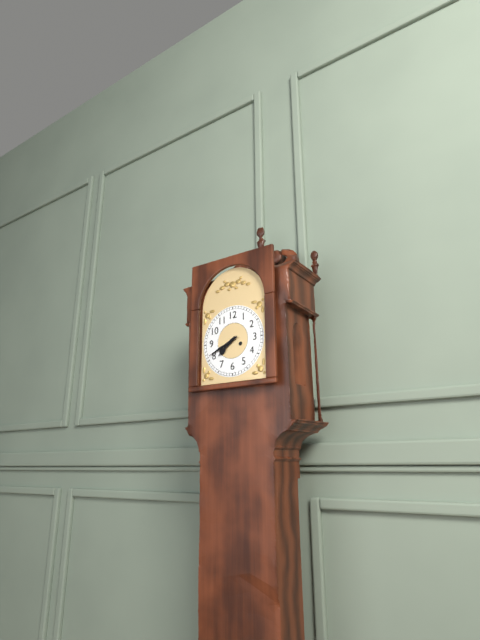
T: 7 h 41 min
